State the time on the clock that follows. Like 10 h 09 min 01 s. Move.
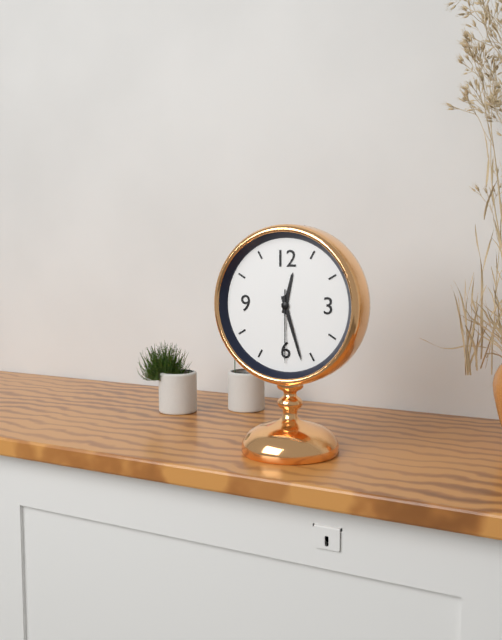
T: 12 h 27 min 30 s
